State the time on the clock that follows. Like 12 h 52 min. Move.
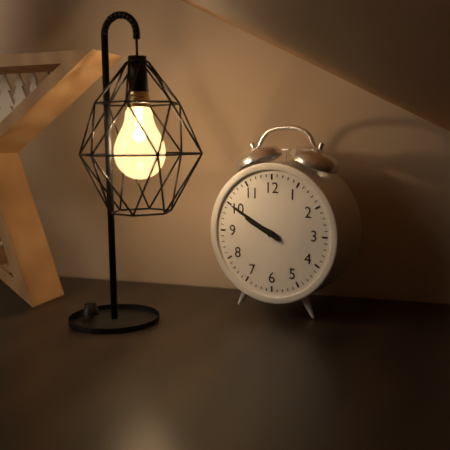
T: 9 h 50 min
